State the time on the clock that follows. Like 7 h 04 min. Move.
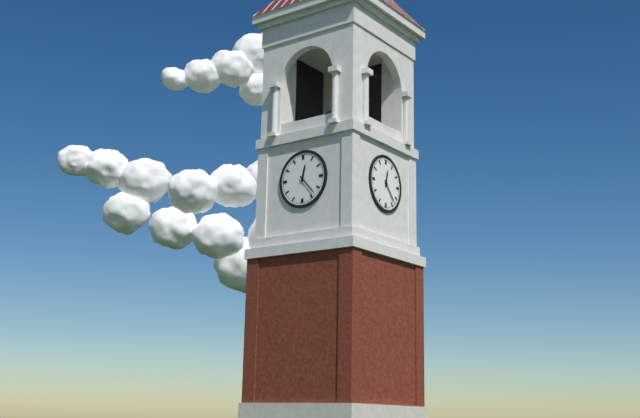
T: 12 h 23 min
